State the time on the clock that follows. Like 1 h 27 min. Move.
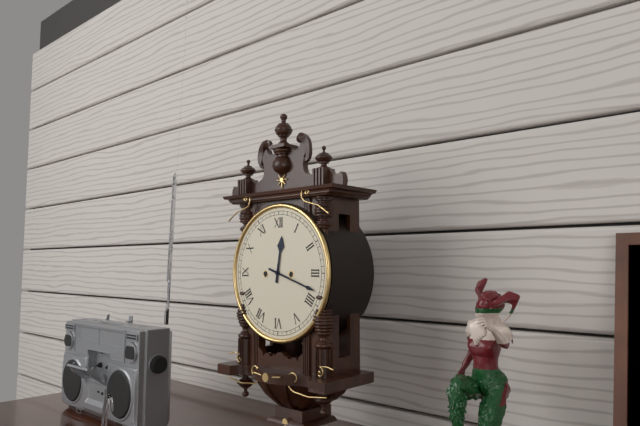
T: 12 h 18 min
